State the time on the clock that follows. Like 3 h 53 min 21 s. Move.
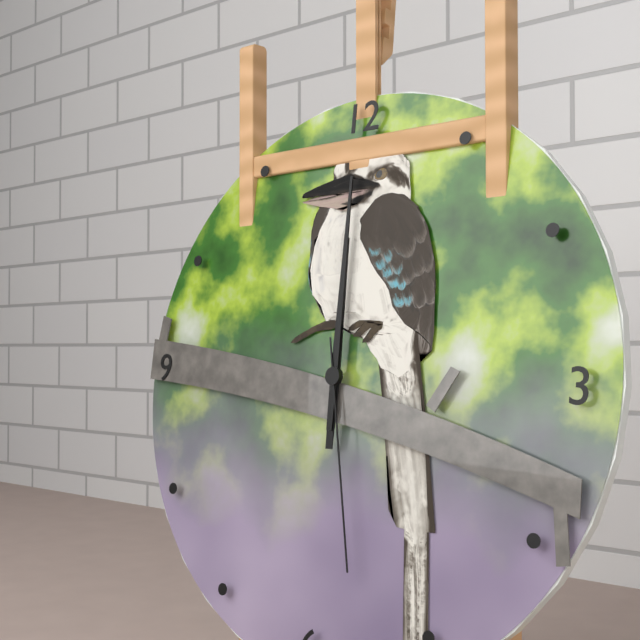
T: 12 h 00 min 28 s
